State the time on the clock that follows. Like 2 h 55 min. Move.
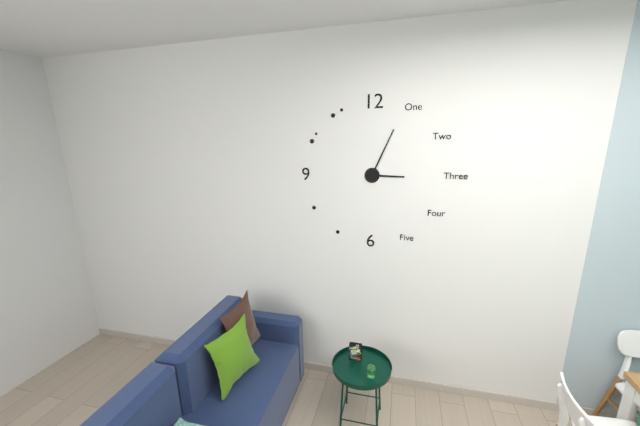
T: 3 h 04 min
